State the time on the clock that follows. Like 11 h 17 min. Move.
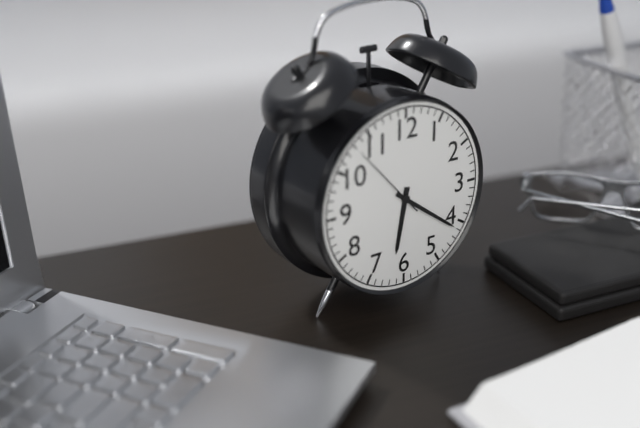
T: 6 h 21 min
